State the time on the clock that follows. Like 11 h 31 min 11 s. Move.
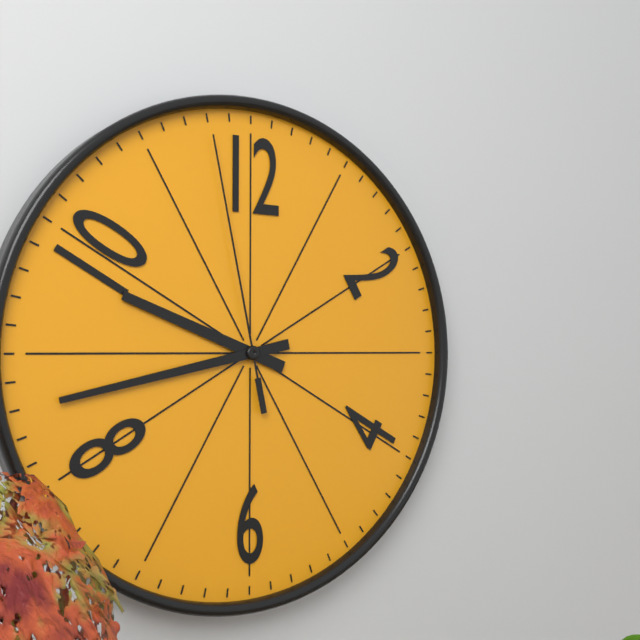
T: 9 h 43 min 58 s
